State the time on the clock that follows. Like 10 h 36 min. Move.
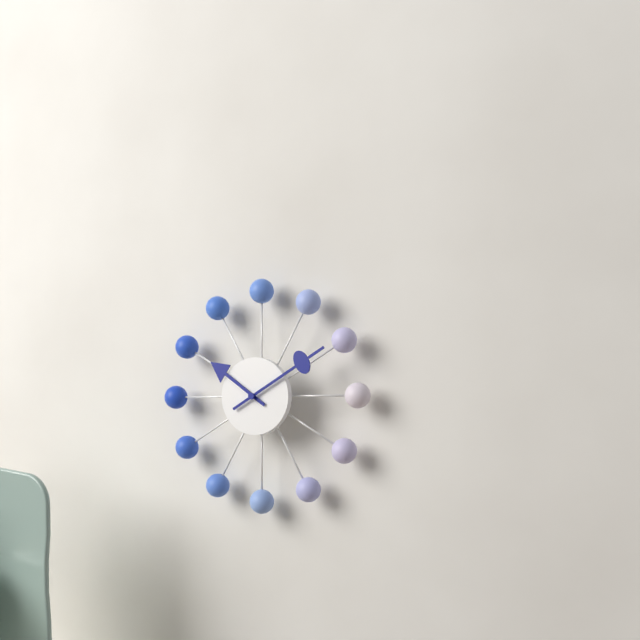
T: 10 h 10 min
